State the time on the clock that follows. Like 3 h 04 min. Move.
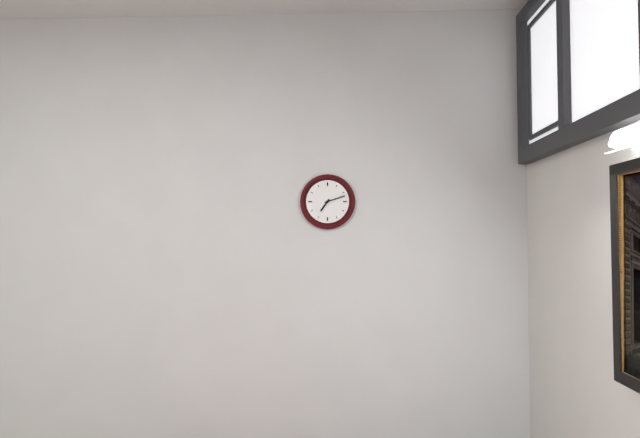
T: 7 h 12 min
